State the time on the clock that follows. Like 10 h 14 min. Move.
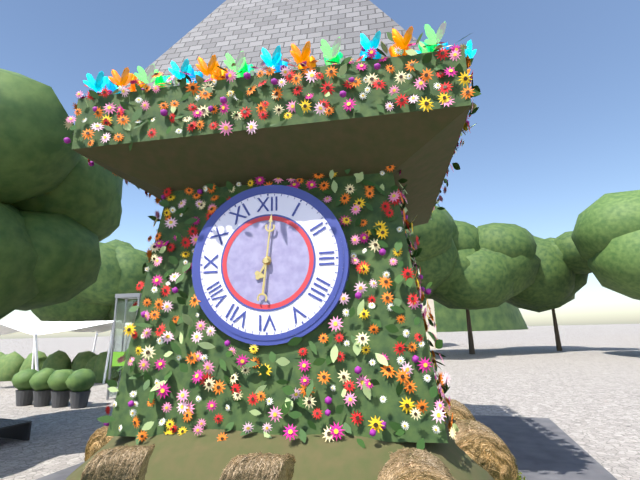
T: 7 h 01 min
